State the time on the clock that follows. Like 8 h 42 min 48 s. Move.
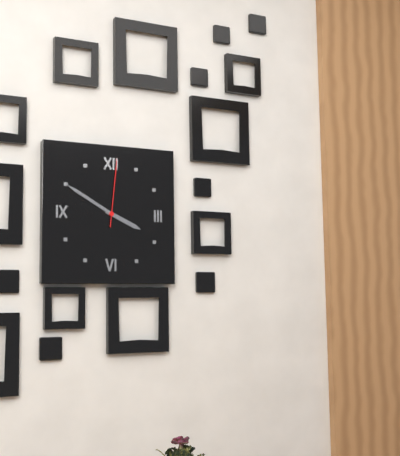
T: 3 h 50 min 01 s
